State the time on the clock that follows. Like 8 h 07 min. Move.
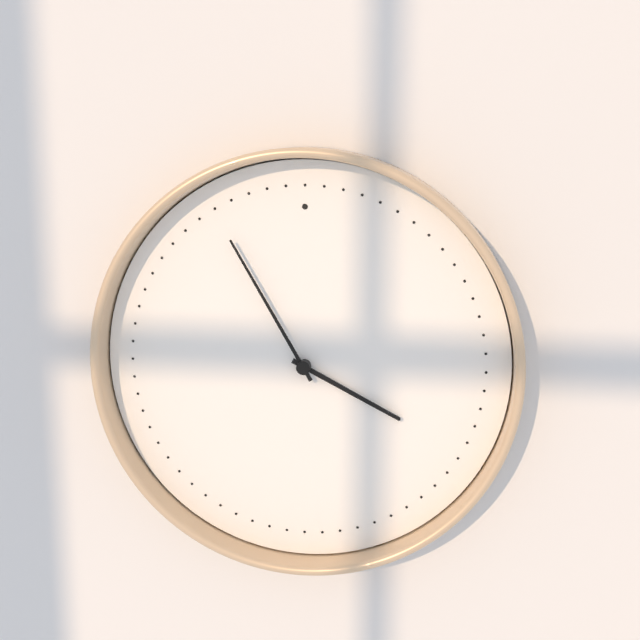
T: 3 h 55 min
